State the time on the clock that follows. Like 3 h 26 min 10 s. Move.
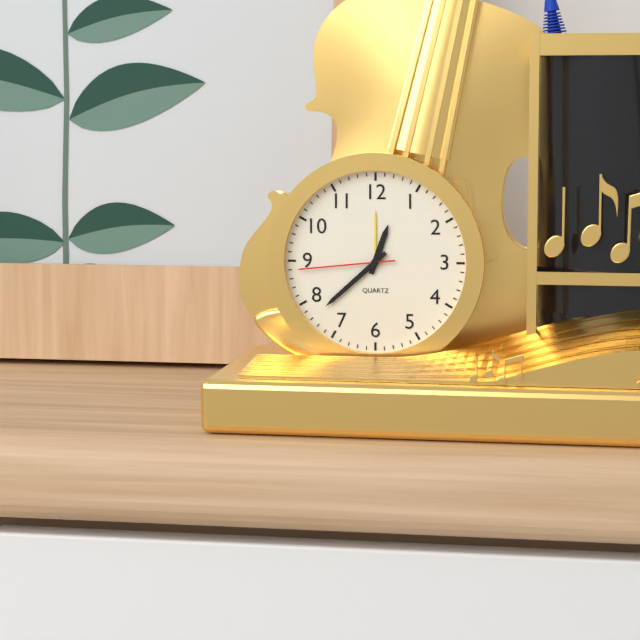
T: 12 h 38 min 44 s
